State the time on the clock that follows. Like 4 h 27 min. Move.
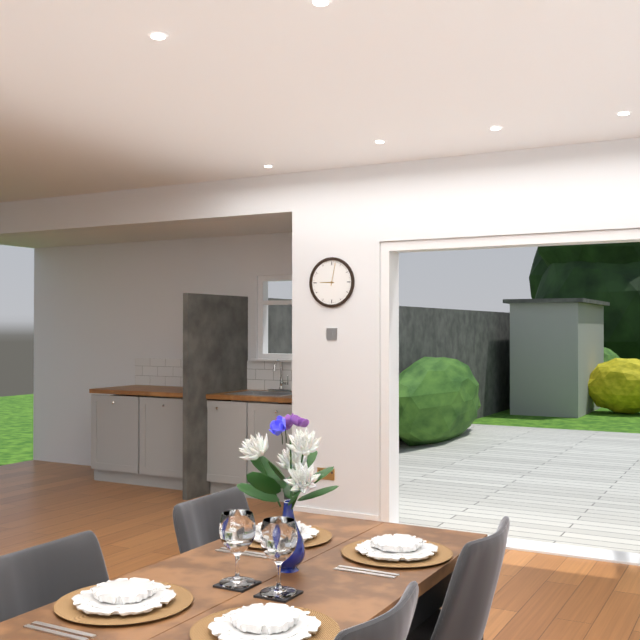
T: 9 h 02 min
